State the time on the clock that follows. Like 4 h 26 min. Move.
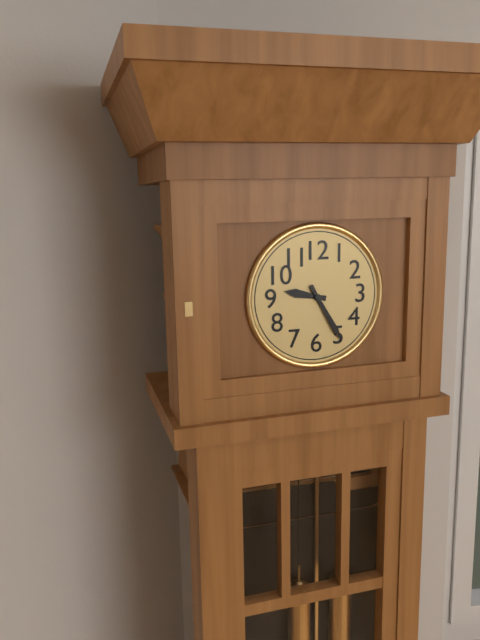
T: 9 h 25 min
